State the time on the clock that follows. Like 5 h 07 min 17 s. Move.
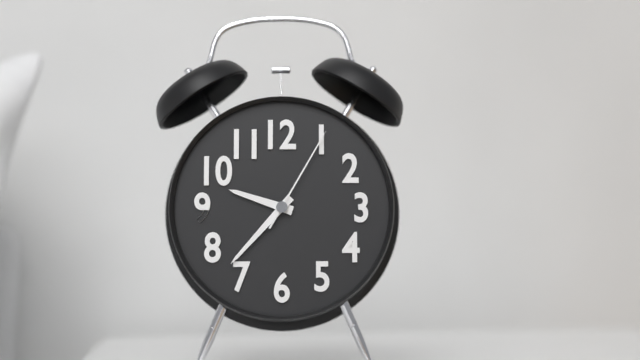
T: 9 h 37 min 05 s
